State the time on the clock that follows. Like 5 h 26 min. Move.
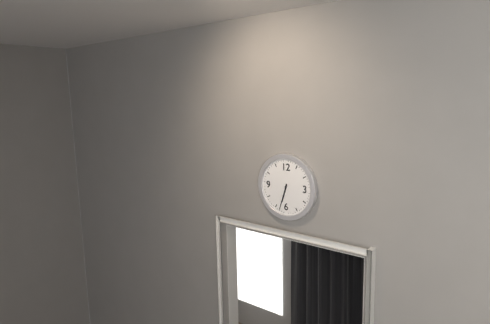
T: 6 h 33 min
